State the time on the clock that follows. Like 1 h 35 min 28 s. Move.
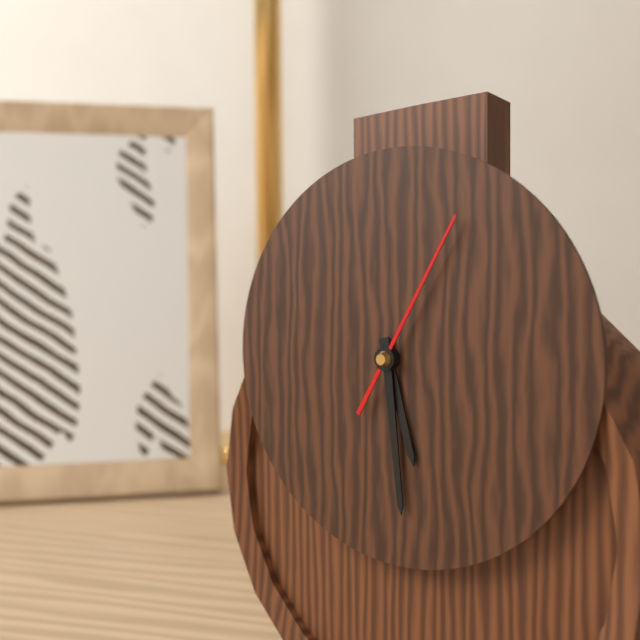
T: 5 h 29 min 05 s
